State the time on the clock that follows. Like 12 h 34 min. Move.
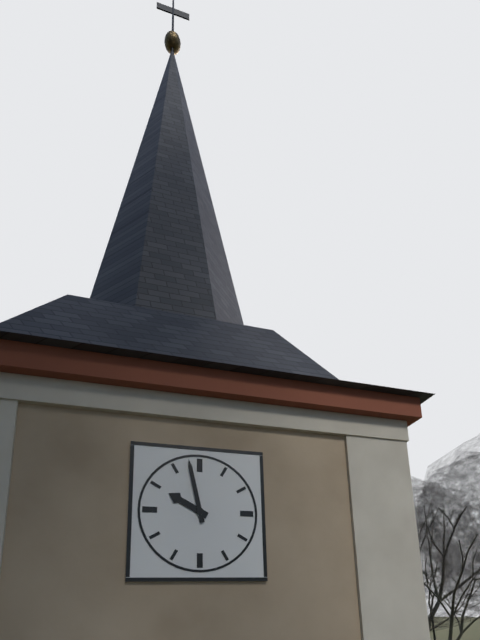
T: 9 h 58 min
